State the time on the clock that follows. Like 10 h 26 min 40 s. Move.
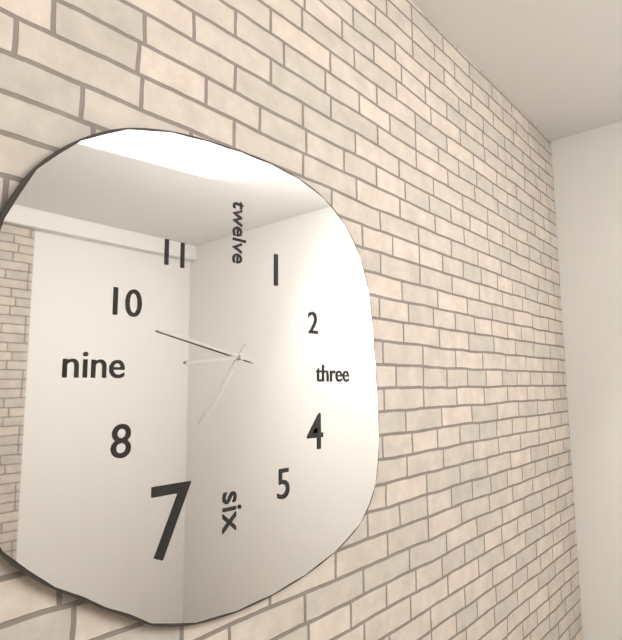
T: 8 h 47 min 36 s
